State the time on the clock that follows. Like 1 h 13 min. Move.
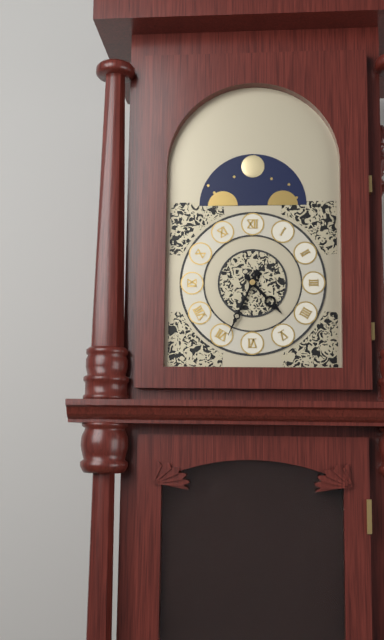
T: 4 h 34 min
